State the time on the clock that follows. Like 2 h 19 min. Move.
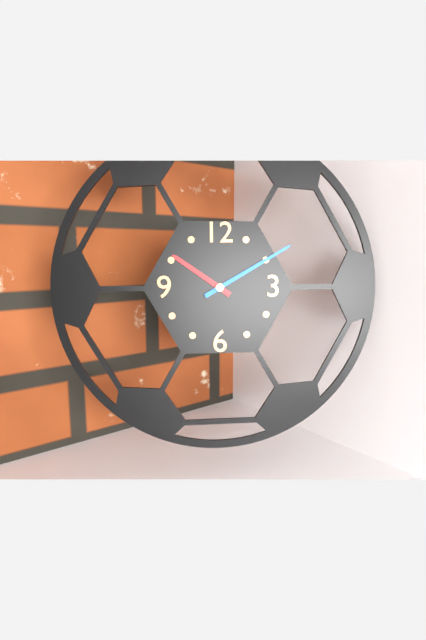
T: 10 h 10 min
